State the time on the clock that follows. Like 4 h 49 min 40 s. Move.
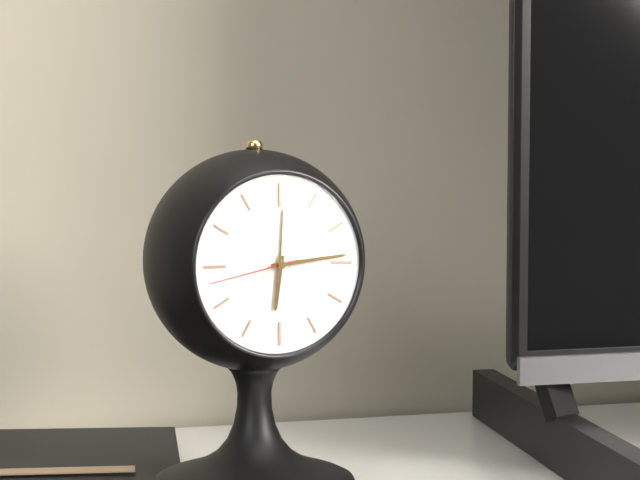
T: 6 h 14 min 43 s
